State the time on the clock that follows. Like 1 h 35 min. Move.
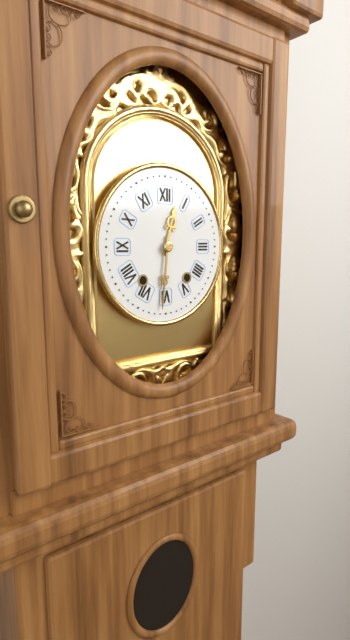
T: 12 h 31 min
